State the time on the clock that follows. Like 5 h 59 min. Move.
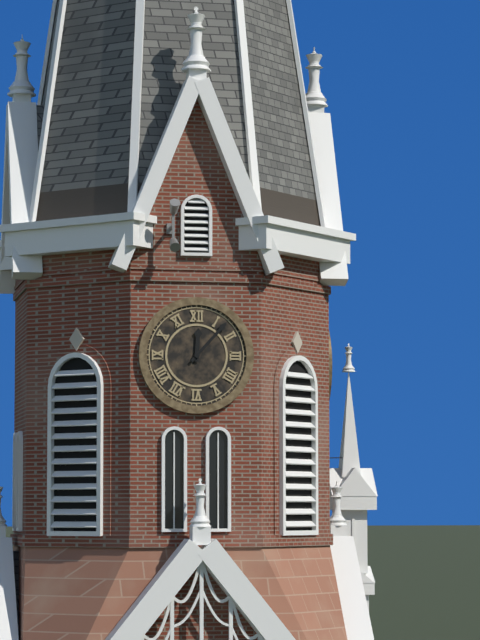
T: 12 h 07 min
